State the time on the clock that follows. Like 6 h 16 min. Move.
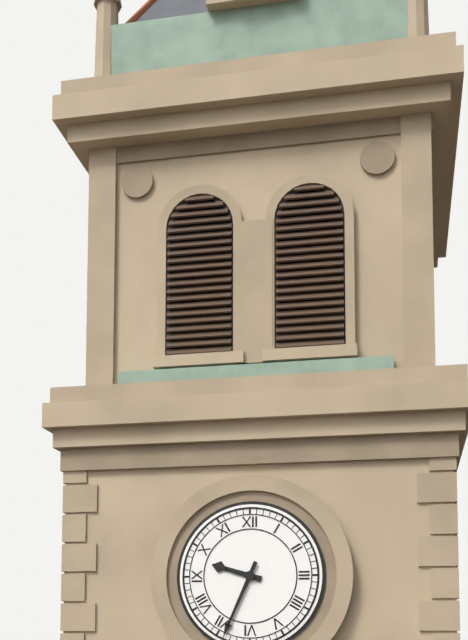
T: 9 h 34 min
